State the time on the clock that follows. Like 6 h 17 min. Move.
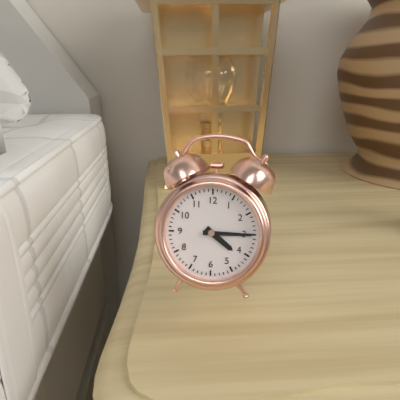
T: 4 h 15 min
